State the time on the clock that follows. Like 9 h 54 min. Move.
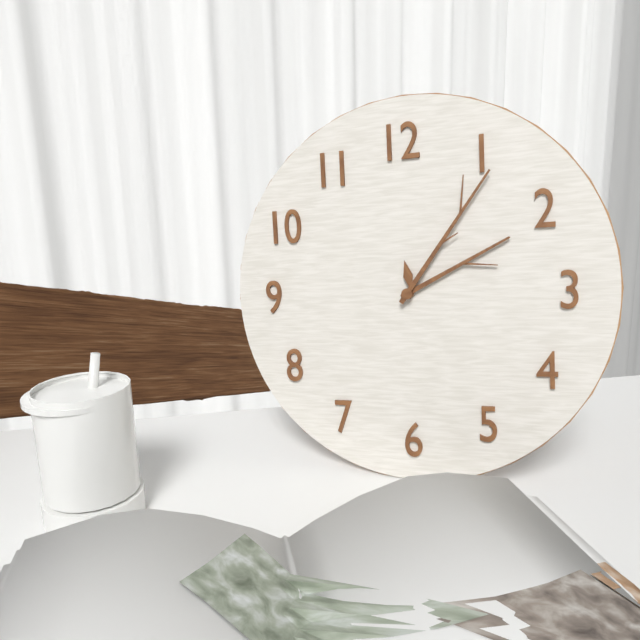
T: 2 h 06 min
